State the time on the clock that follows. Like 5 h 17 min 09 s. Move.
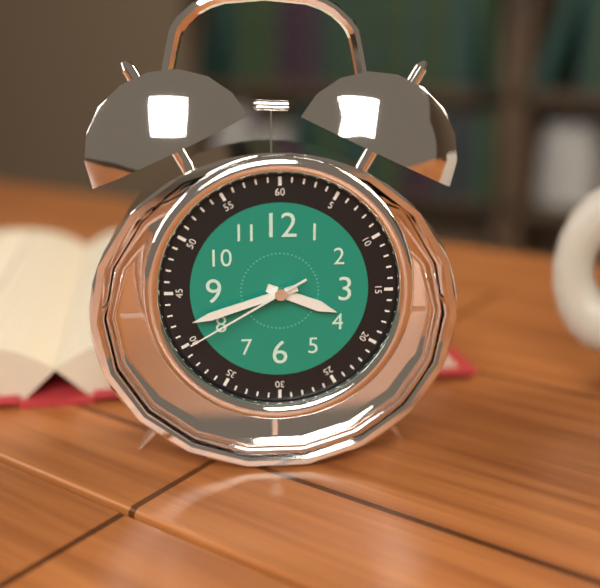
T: 3 h 42 min 40 s
